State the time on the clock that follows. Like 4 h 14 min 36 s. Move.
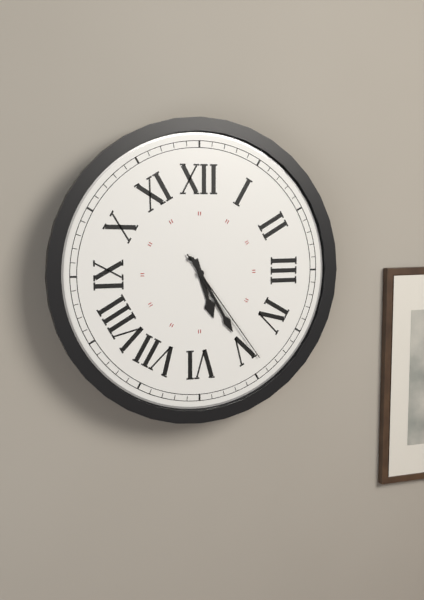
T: 5 h 25 min 24 s
